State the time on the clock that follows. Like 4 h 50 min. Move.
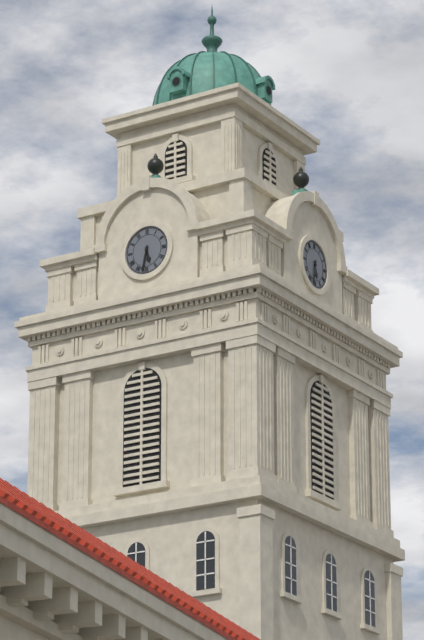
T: 5 h 32 min
